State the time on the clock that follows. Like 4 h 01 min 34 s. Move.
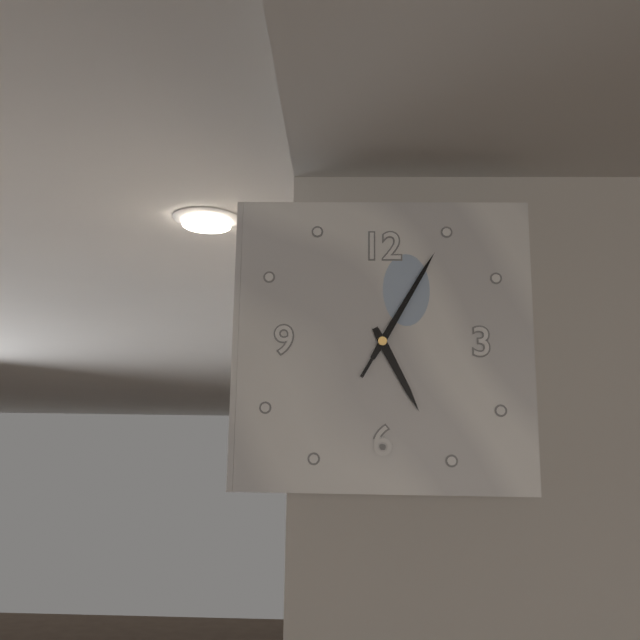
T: 5 h 05 min 05 s
